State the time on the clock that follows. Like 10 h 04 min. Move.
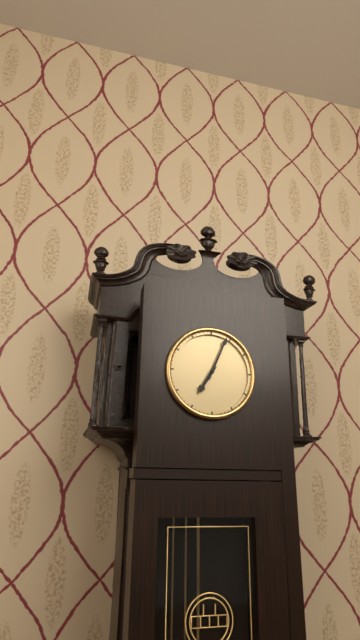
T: 7 h 04 min
